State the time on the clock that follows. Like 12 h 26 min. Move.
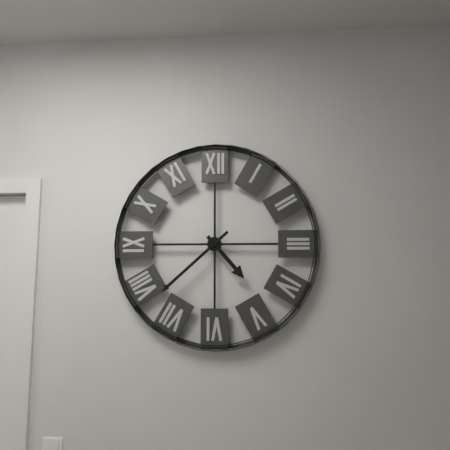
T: 4 h 38 min
